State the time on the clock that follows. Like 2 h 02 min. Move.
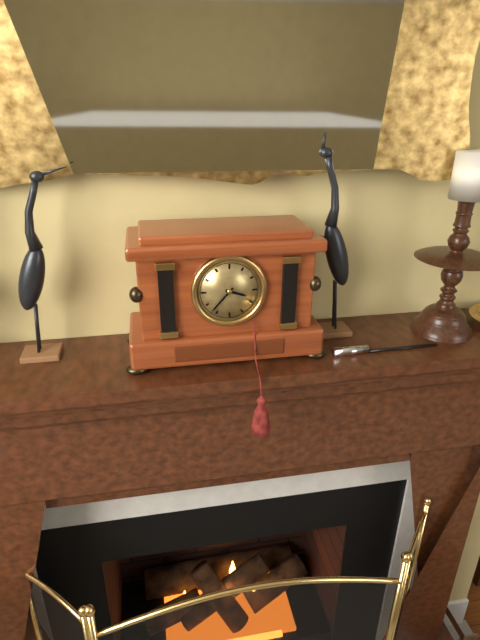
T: 3 h 37 min
